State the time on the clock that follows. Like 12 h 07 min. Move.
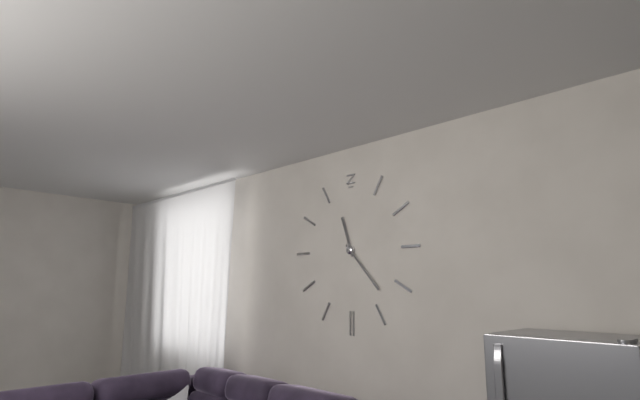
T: 11 h 23 min
